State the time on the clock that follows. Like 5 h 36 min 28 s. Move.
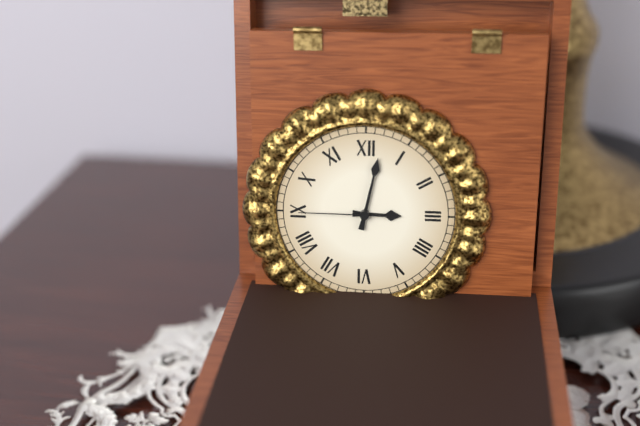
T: 3 h 02 min 45 s
